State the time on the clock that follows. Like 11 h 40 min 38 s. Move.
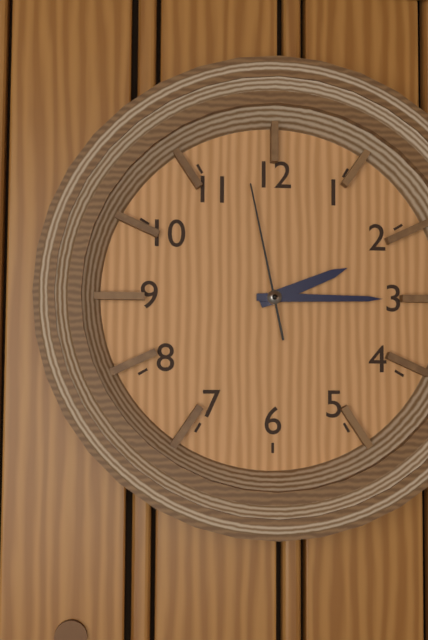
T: 2 h 15 min 58 s
